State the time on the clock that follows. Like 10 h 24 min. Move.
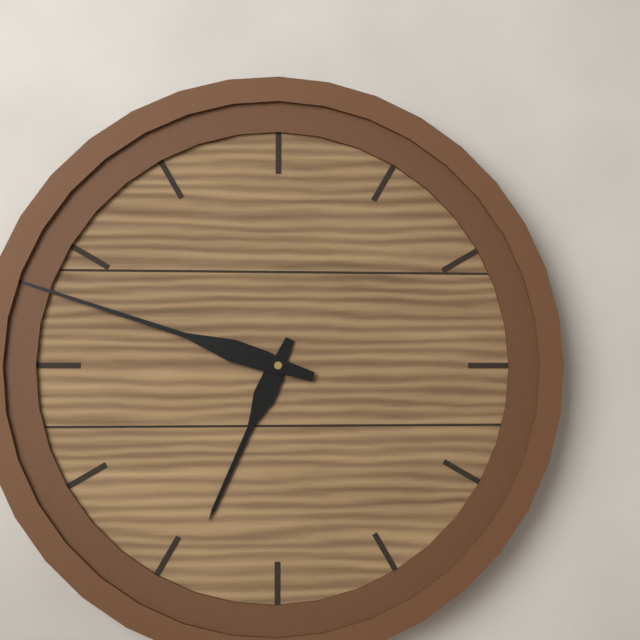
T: 6 h 48 min
